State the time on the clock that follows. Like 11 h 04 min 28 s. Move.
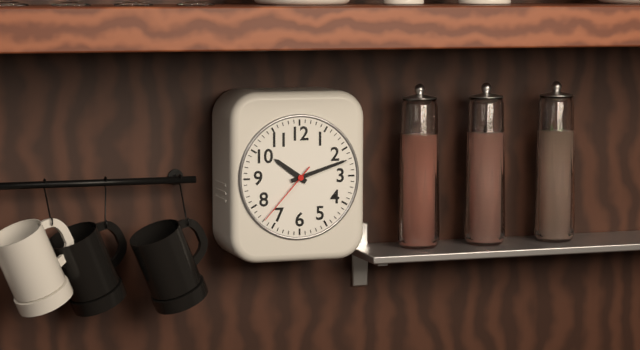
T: 10 h 12 min 37 s
